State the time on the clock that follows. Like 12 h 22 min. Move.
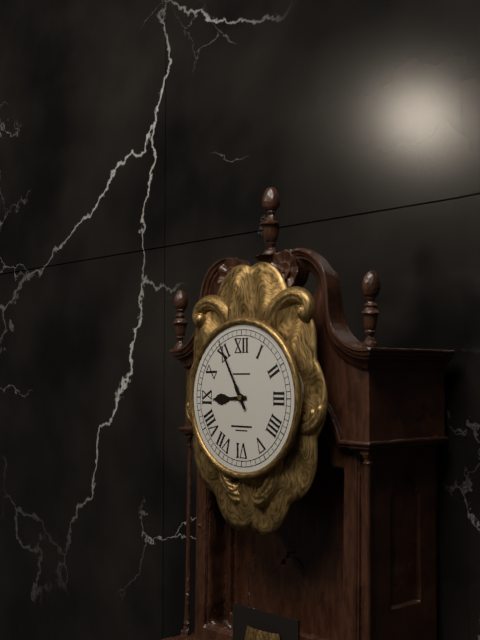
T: 8 h 55 min
